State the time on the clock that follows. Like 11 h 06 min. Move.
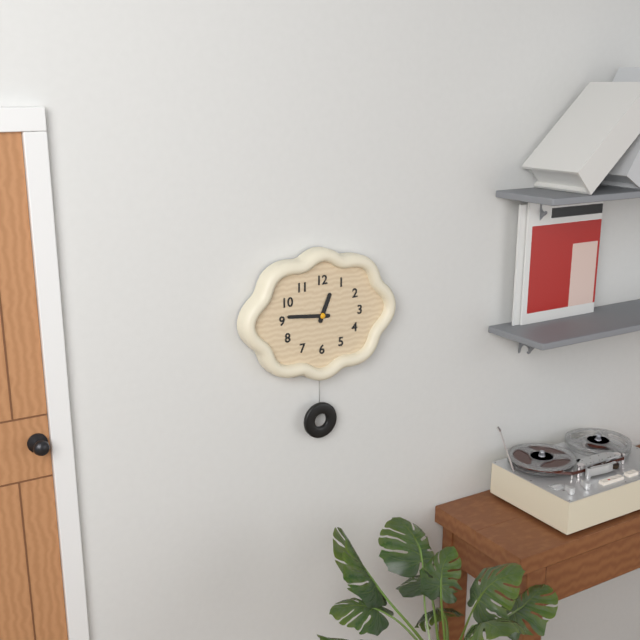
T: 12 h 46 min
